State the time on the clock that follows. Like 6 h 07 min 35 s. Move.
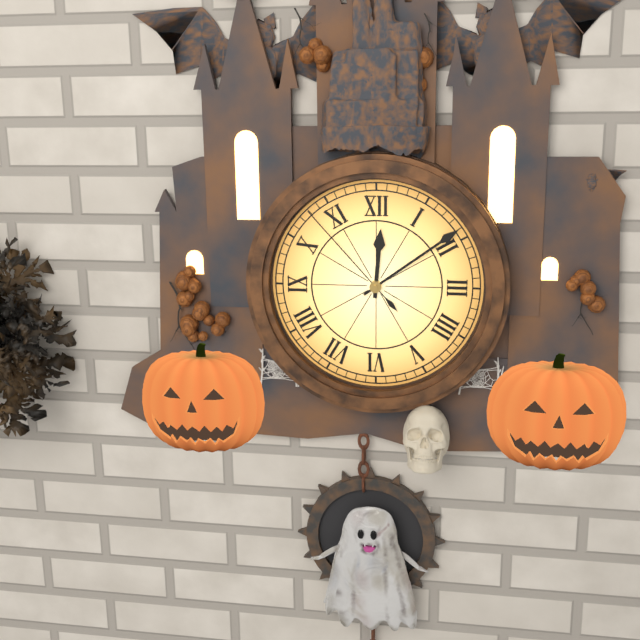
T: 12 h 09 min 53 s
